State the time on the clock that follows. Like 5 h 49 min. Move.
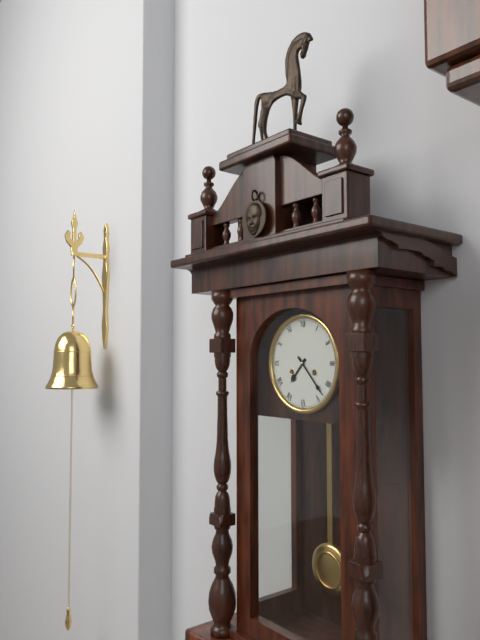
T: 7 h 23 min
